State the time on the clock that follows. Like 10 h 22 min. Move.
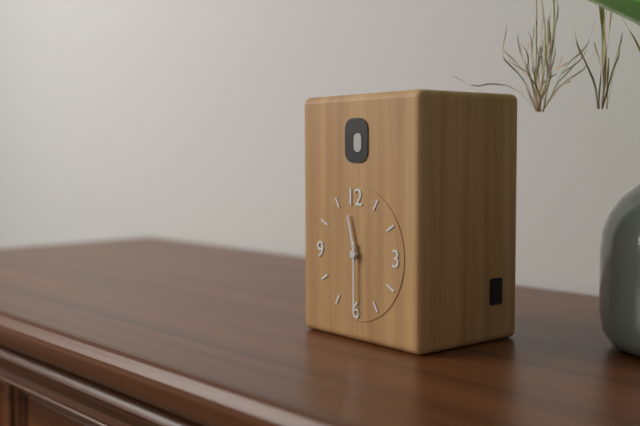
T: 11 h 30 min
